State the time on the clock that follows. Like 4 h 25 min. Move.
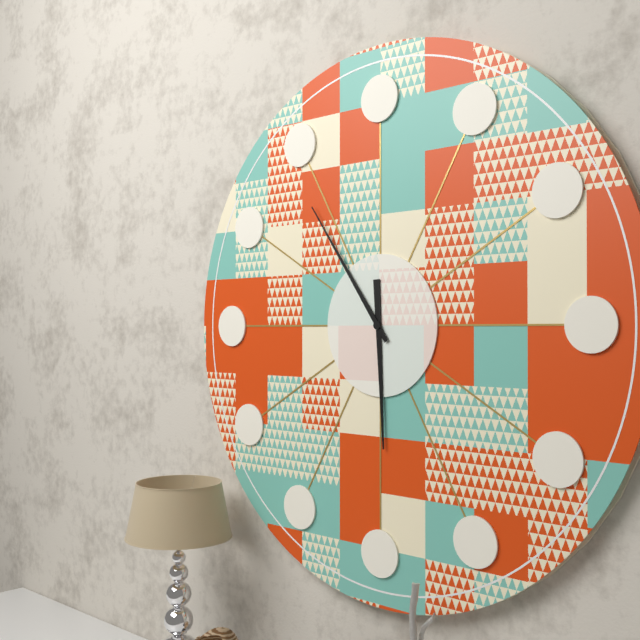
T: 5 h 54 min
